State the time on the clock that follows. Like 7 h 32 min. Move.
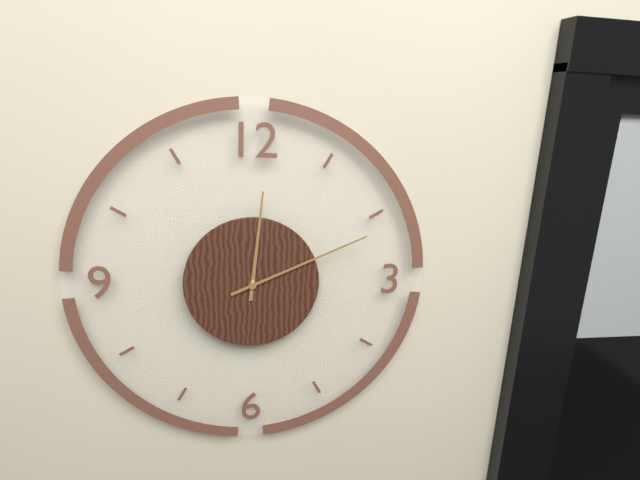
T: 12 h 11 min
